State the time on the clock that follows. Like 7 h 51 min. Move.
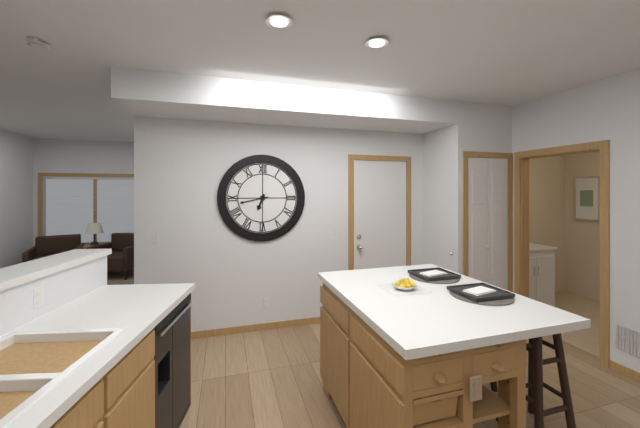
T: 6 h 43 min
